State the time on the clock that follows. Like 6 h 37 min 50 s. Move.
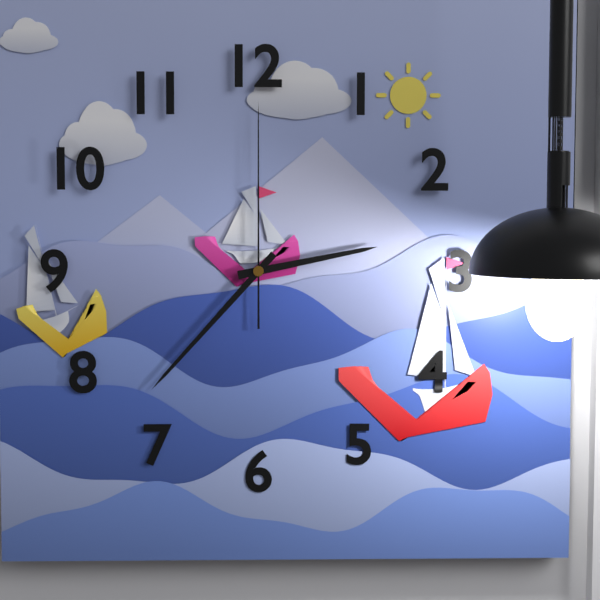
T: 2 h 37 min 00 s
